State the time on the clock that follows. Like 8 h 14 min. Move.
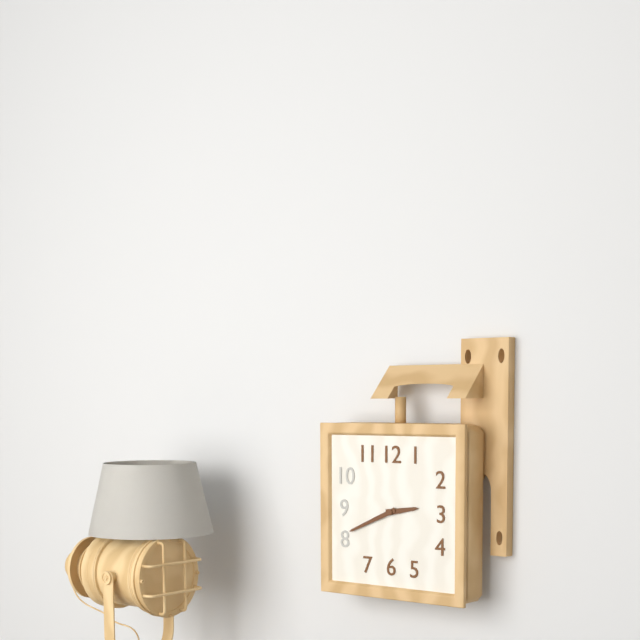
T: 2 h 41 min
